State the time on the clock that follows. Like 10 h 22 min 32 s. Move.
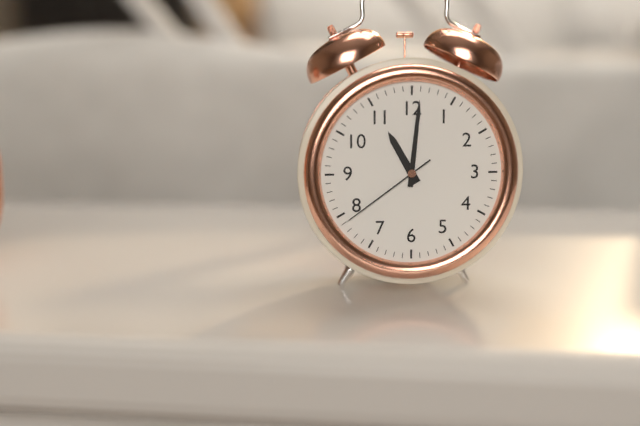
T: 11 h 01 min 39 s
